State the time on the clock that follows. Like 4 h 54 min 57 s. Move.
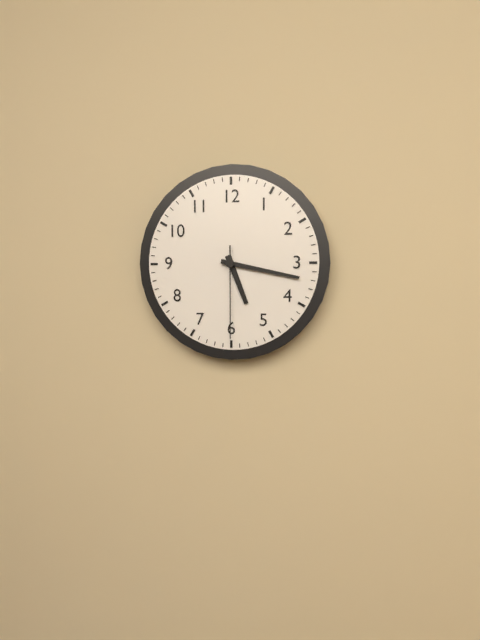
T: 5 h 17 min 30 s
